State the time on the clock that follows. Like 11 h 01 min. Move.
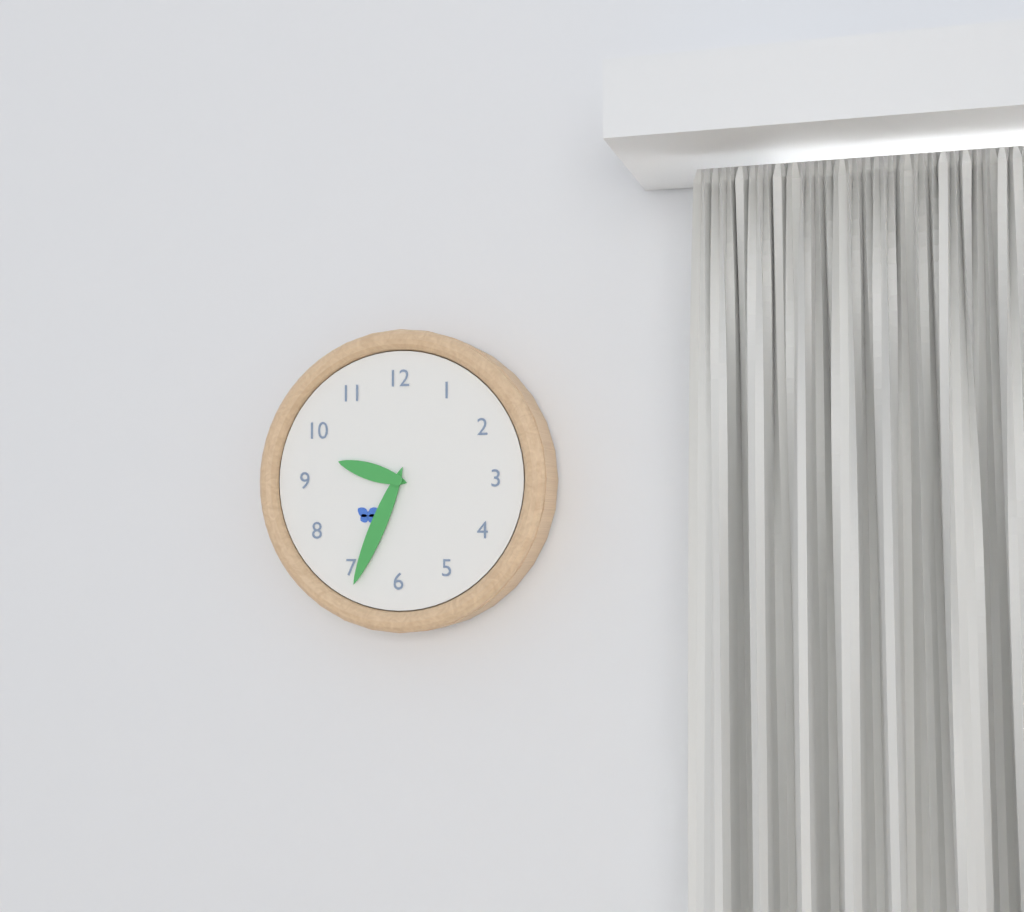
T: 9 h 34 min
